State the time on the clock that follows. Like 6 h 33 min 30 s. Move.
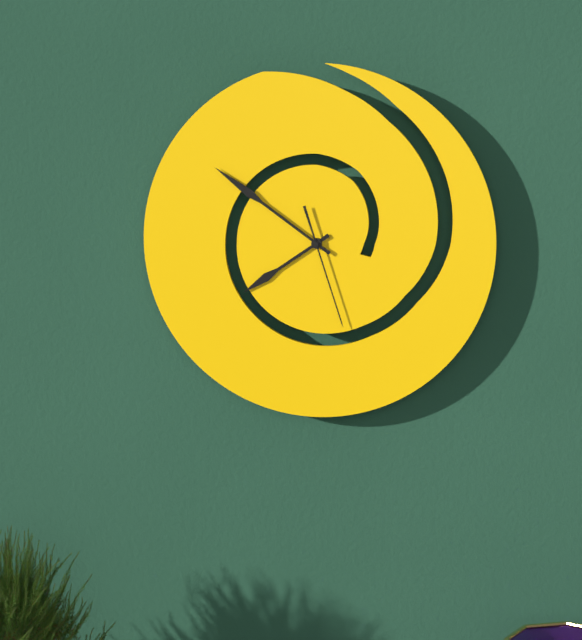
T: 7 h 51 min 27 s
